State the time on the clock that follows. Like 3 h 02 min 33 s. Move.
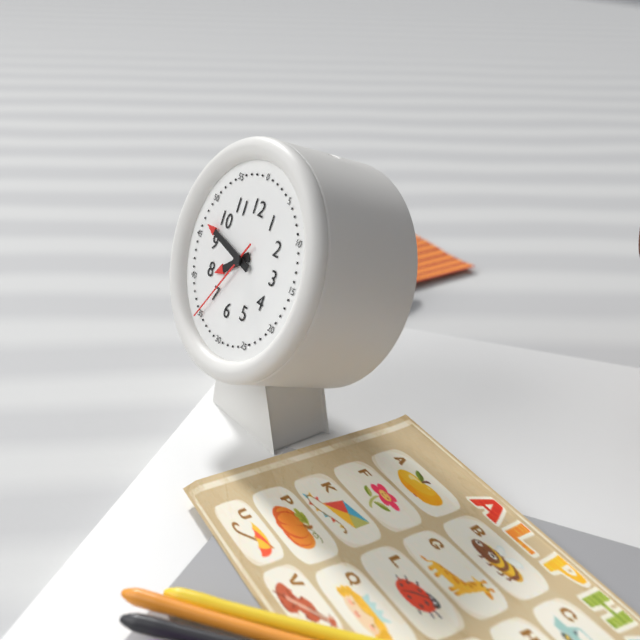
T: 7 h 47 min 35 s
